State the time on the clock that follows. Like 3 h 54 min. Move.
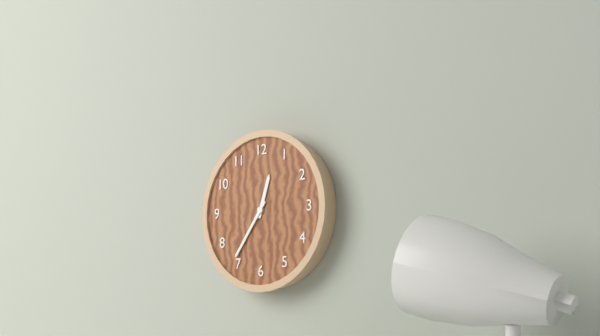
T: 12 h 36 min
